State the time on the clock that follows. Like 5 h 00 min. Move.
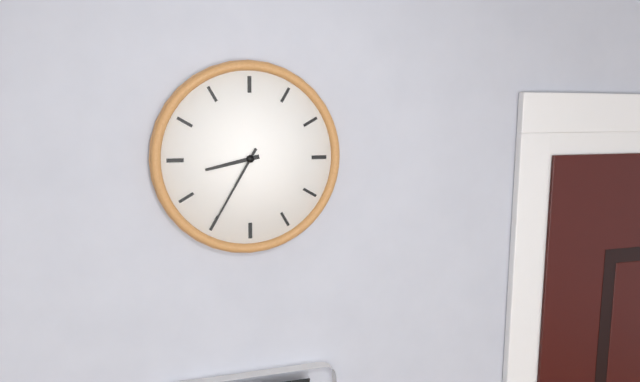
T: 8 h 35 min
